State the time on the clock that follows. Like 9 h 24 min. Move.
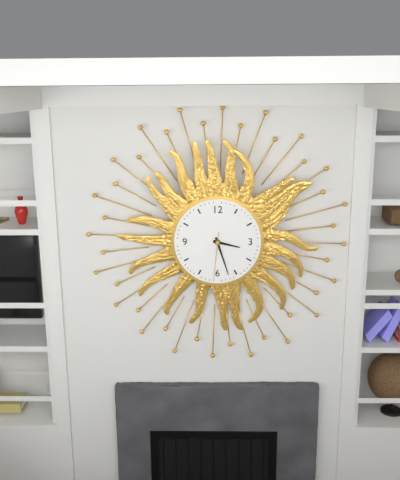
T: 3 h 27 min
